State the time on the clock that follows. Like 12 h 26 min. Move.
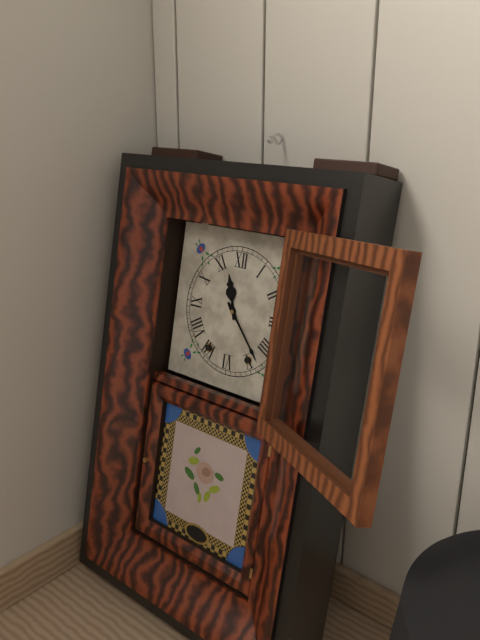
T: 11 h 23 min
